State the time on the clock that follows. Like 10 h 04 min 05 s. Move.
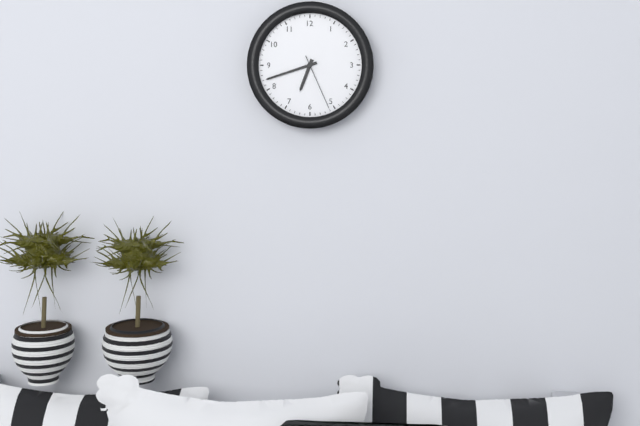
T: 6 h 42 min 26 s
